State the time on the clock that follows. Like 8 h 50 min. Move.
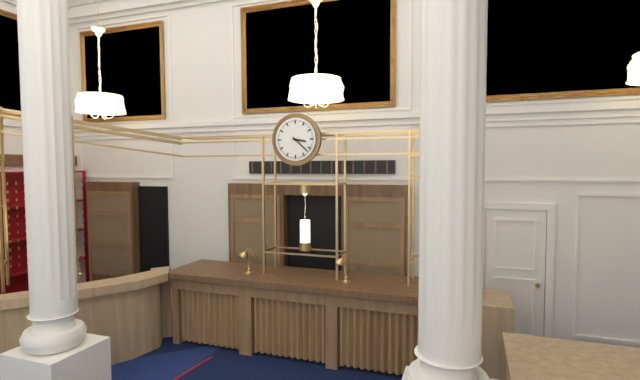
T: 3 h 22 min
